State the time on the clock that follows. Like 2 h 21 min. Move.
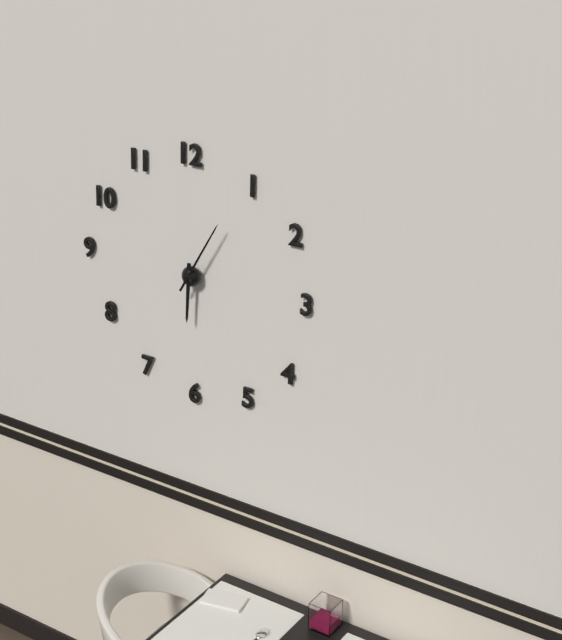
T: 6 h 05 min
